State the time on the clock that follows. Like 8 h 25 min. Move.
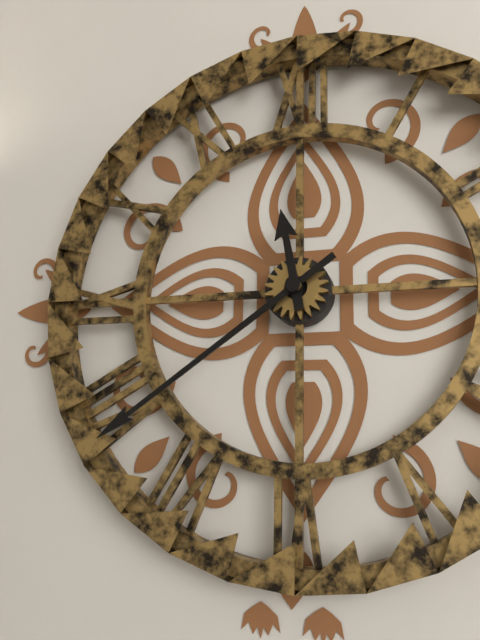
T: 11 h 39 min
